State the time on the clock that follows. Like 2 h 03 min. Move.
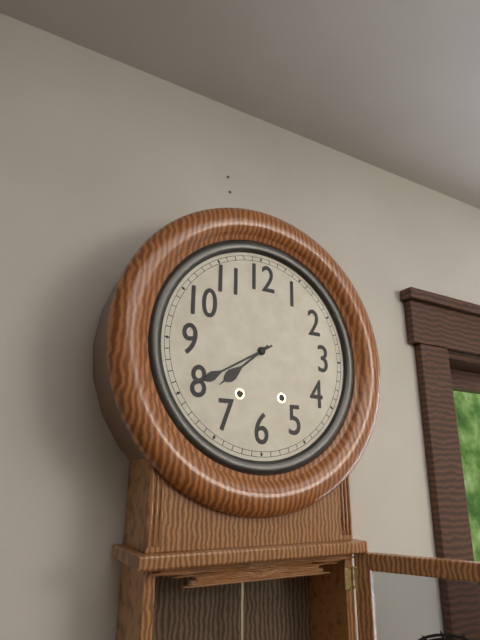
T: 7 h 40 min
